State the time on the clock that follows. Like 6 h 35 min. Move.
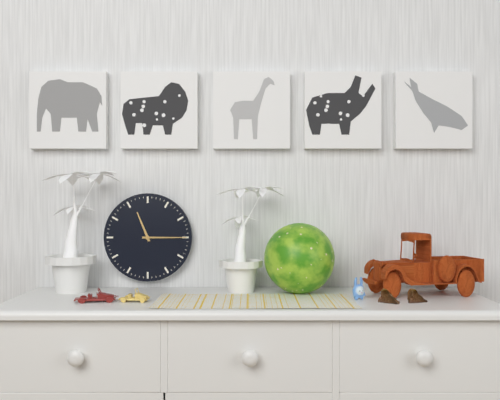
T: 11 h 15 min
